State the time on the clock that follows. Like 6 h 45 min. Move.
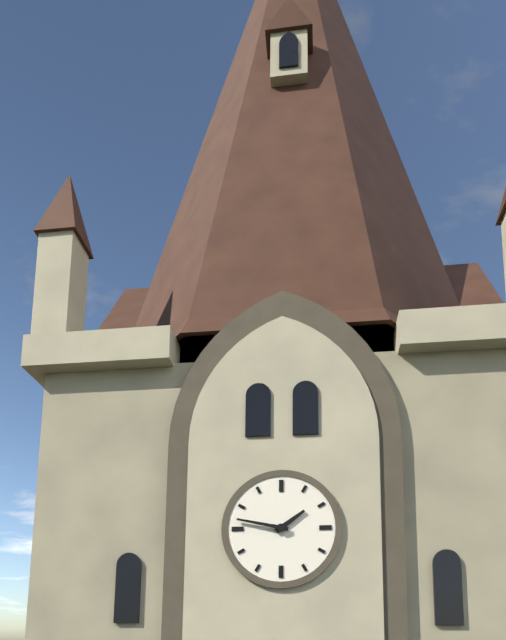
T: 1 h 47 min
